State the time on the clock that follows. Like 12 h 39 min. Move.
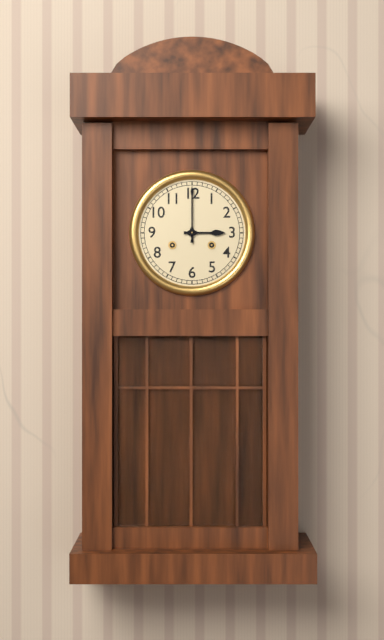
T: 3 h 00 min
